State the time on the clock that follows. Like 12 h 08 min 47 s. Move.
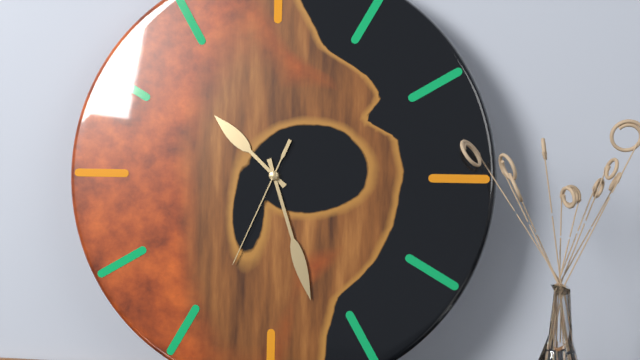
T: 10 h 27 min 34 s
